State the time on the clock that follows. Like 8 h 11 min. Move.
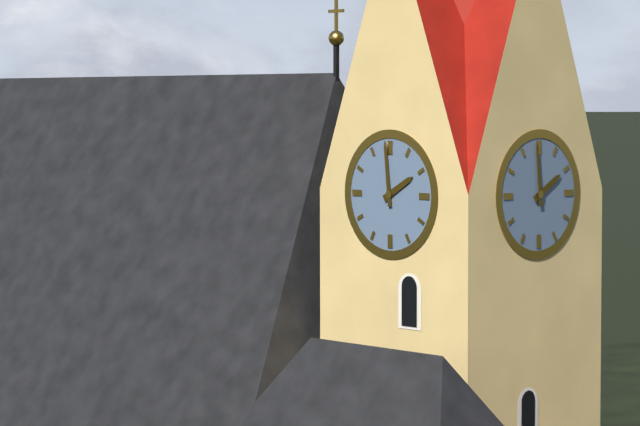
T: 1 h 59 min
